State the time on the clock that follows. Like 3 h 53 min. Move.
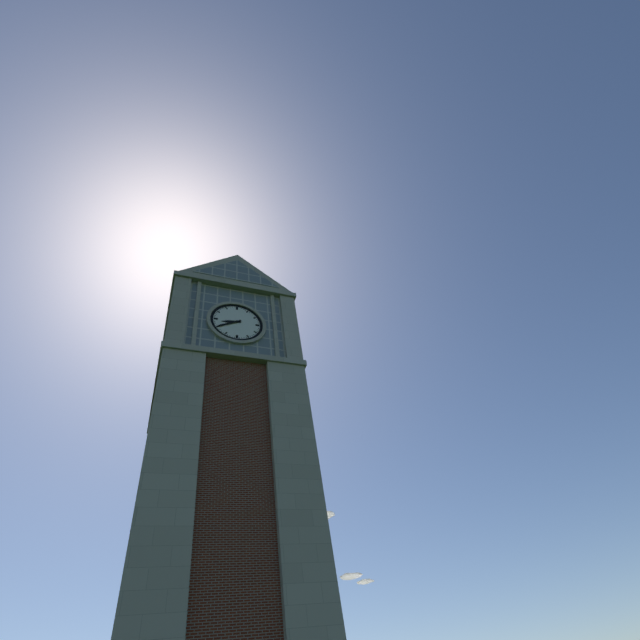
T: 8 h 40 min
